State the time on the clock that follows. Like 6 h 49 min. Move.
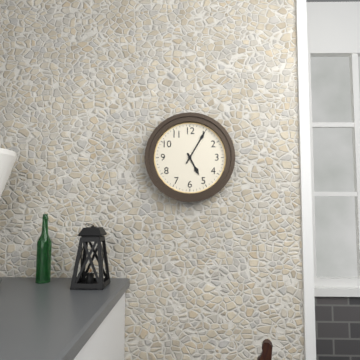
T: 5 h 05 min
